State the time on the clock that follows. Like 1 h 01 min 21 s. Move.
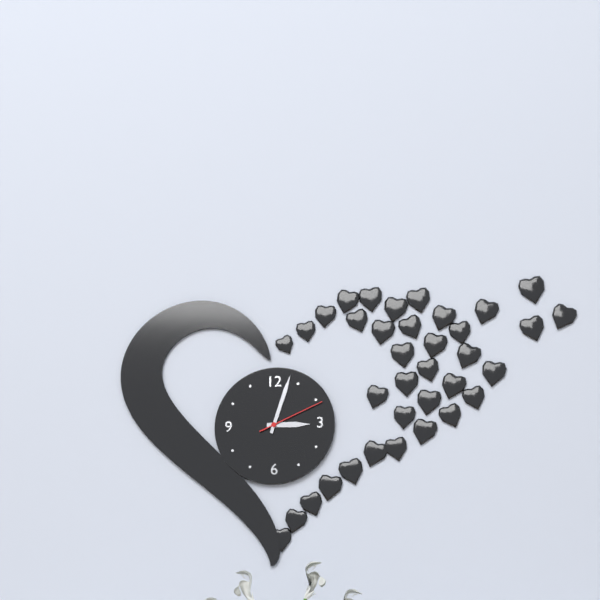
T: 3 h 03 min 11 s
